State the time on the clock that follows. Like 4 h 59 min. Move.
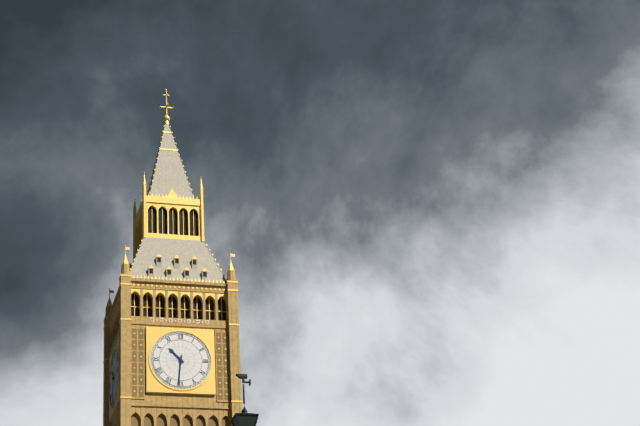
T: 10 h 31 min
